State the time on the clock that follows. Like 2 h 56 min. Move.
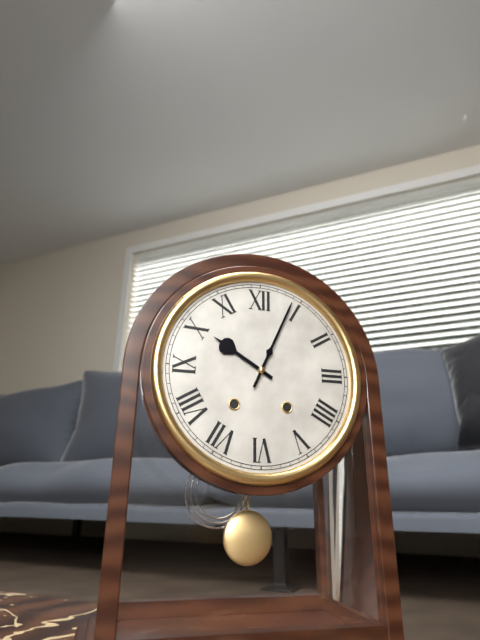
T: 10 h 04 min
